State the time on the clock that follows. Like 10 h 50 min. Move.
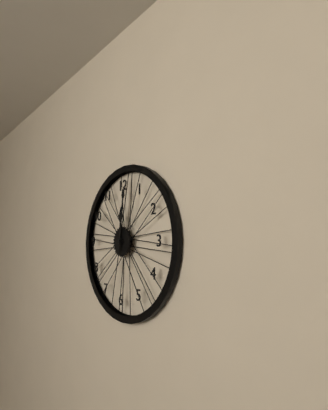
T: 12 h 01 min
